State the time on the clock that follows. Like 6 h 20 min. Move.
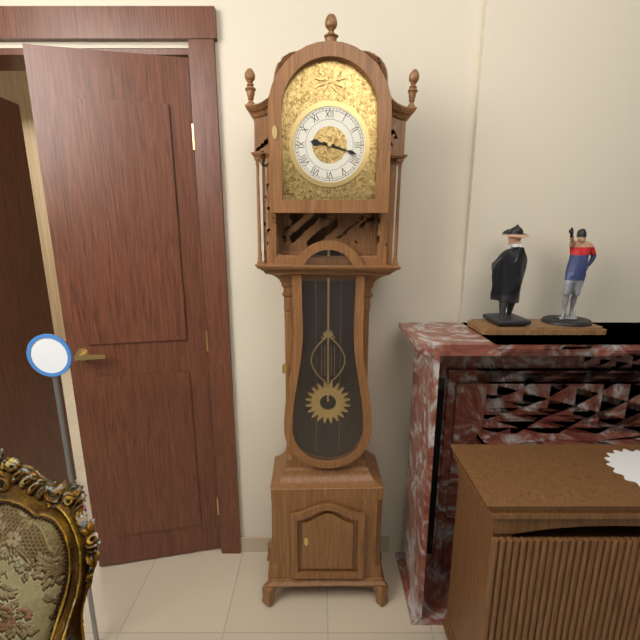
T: 9 h 18 min
